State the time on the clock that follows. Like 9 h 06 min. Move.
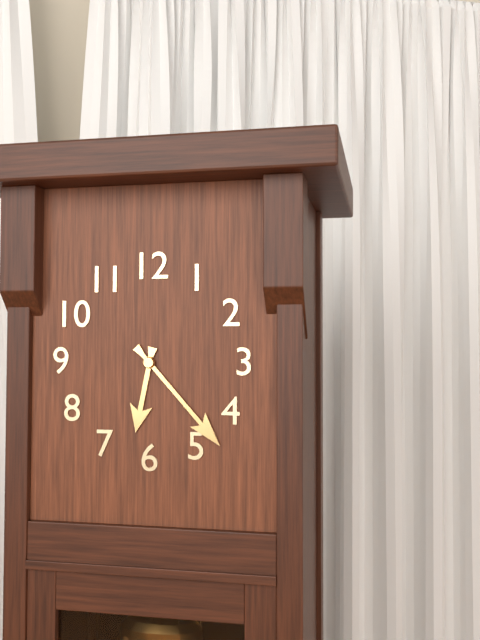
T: 6 h 23 min
